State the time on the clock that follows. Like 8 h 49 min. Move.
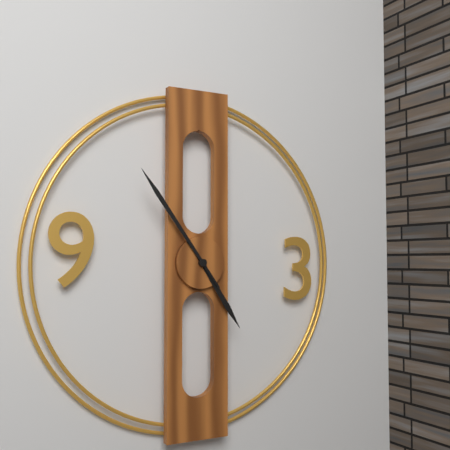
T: 4 h 54 min
